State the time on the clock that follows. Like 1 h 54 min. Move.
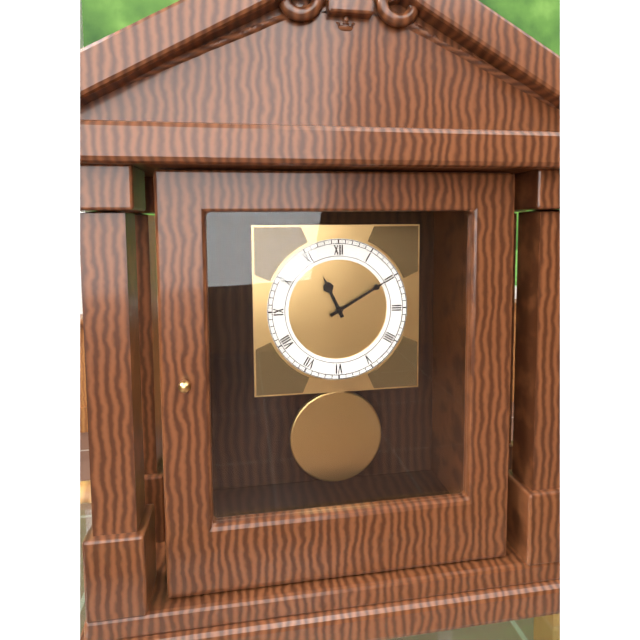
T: 11 h 10 min
